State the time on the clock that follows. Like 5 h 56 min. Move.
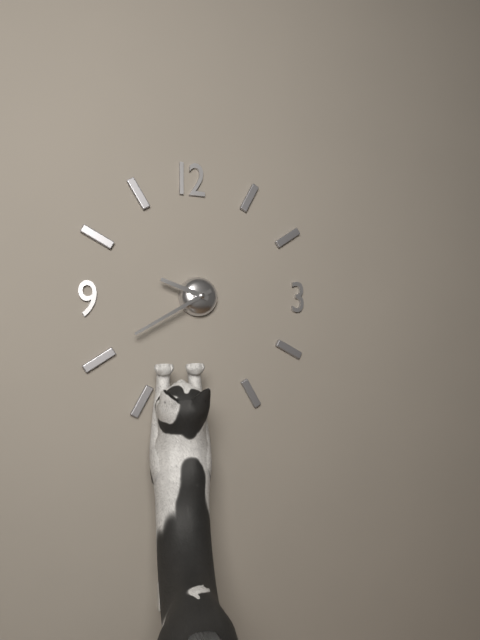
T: 9 h 40 min
